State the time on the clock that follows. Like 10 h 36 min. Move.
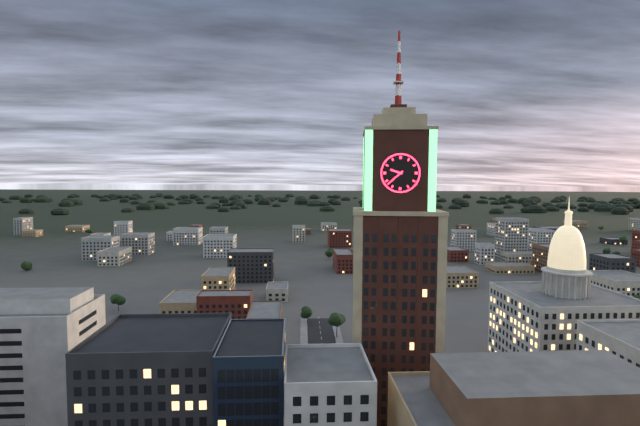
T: 9 h 38 min
